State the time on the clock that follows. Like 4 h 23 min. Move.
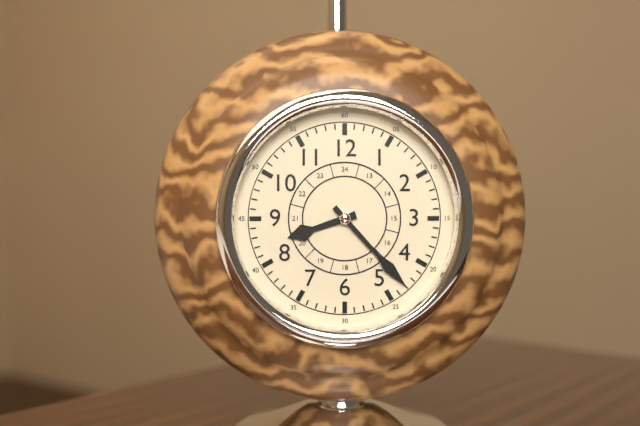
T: 8 h 23 min
